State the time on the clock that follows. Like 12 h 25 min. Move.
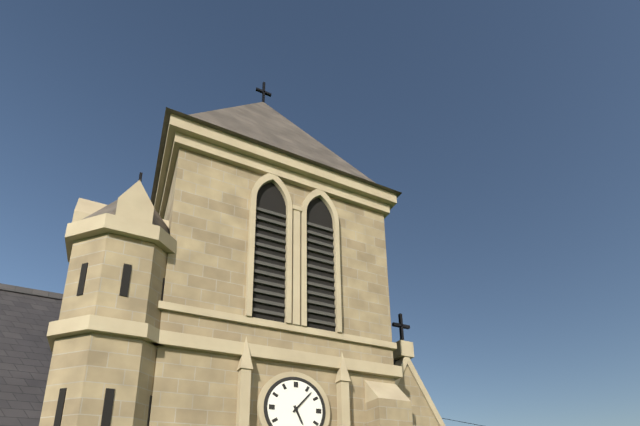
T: 5 h 07 min
